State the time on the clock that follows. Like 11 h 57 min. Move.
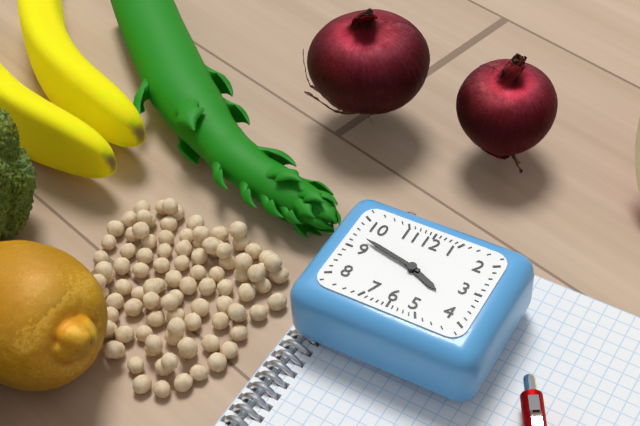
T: 3 h 47 min
